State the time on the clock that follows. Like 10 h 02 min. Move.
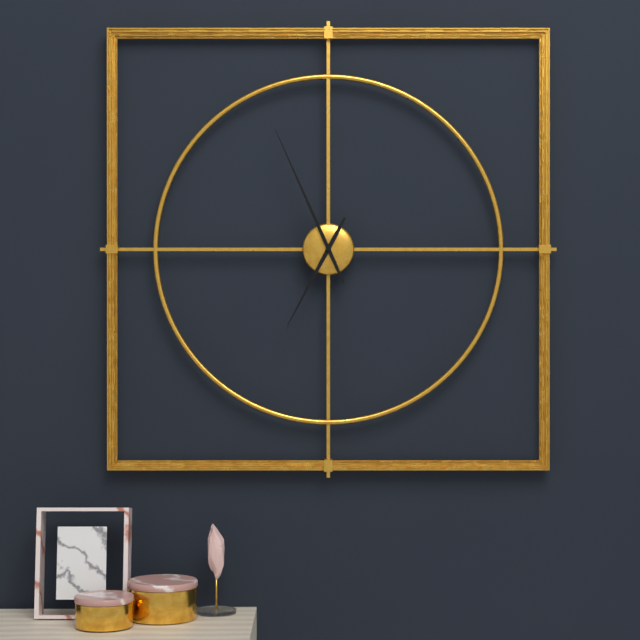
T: 6 h 56 min
